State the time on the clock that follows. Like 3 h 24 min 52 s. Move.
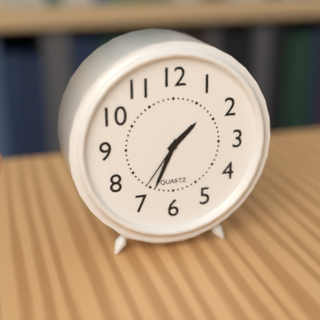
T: 1 h 34 min 36 s
